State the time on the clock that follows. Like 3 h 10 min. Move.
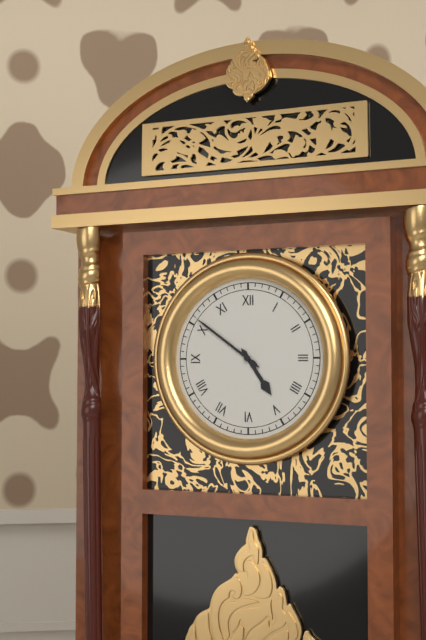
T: 4 h 51 min
